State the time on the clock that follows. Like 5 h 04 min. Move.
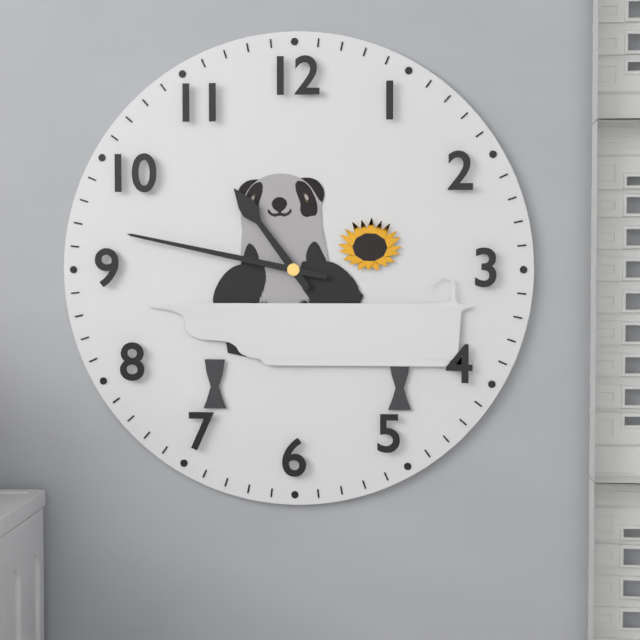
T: 10 h 47 min
